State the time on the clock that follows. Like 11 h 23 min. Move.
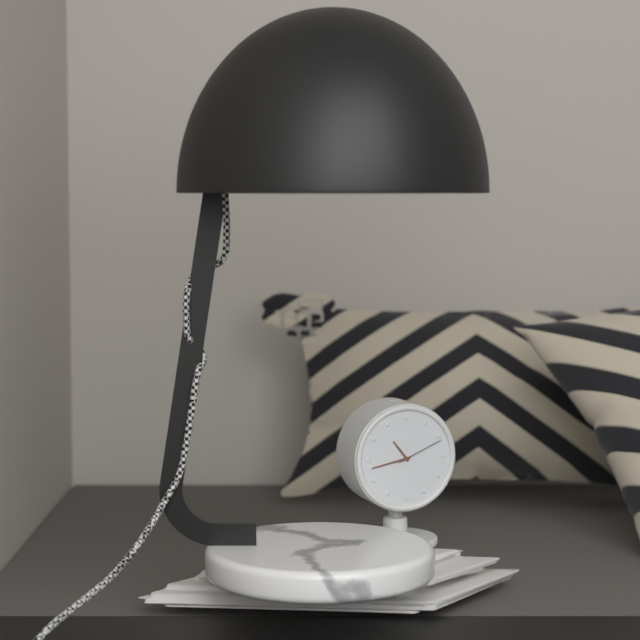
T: 10 h 43 min
